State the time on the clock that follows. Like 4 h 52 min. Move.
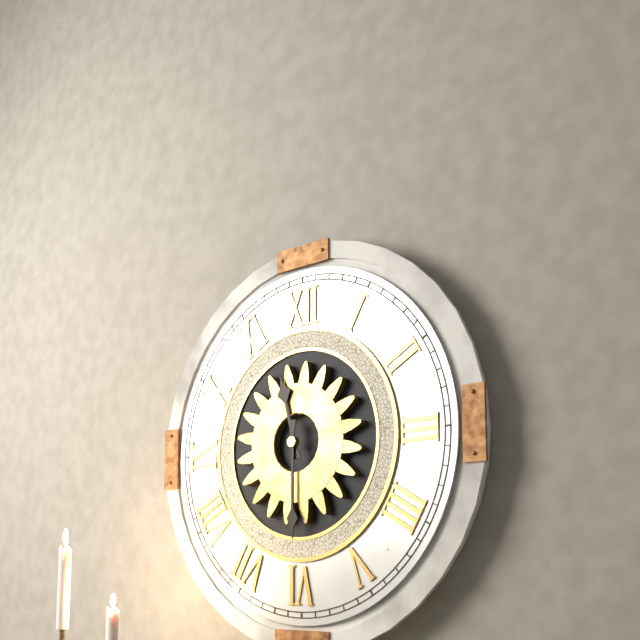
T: 11 h 30 min
